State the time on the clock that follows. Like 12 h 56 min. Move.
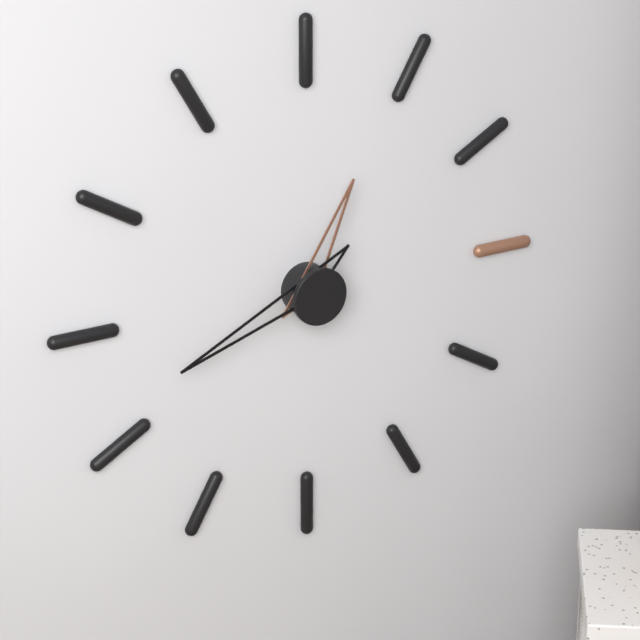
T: 12 h 42 min
